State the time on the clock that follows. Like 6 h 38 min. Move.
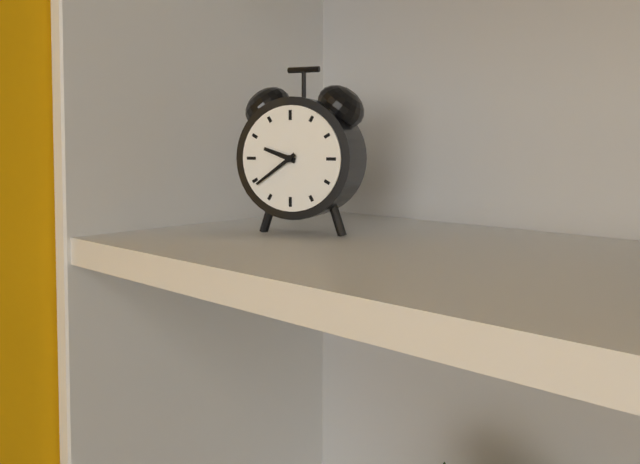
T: 9 h 39 min
